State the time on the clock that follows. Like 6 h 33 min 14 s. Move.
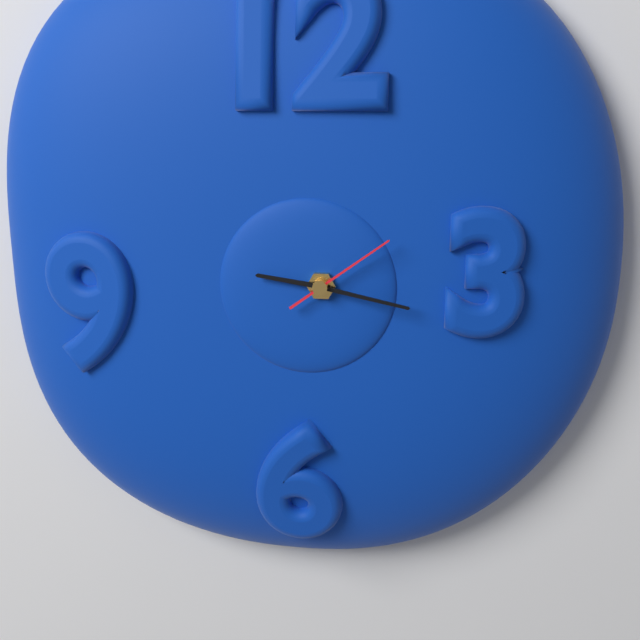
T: 9 h 17 min 09 s
